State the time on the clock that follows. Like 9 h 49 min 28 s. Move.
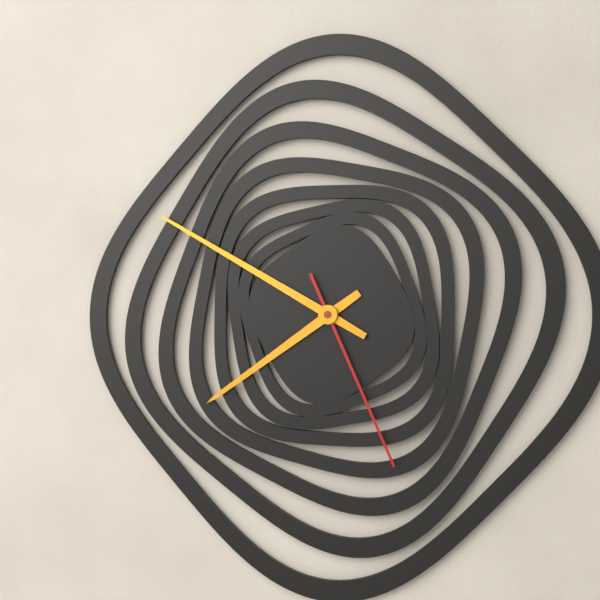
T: 7 h 50 min 26 s
